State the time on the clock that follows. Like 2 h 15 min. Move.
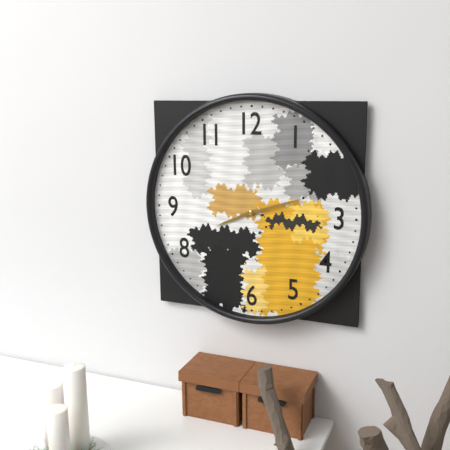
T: 8 h 12 min
